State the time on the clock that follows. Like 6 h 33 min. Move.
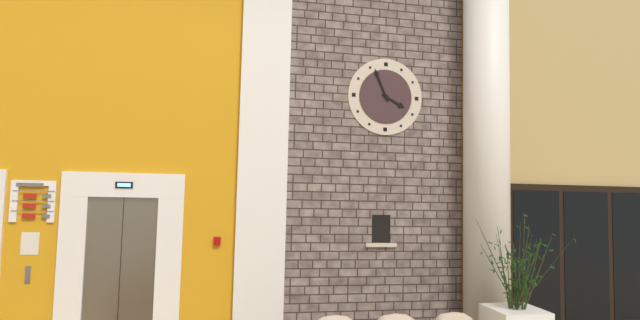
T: 3 h 56 min
